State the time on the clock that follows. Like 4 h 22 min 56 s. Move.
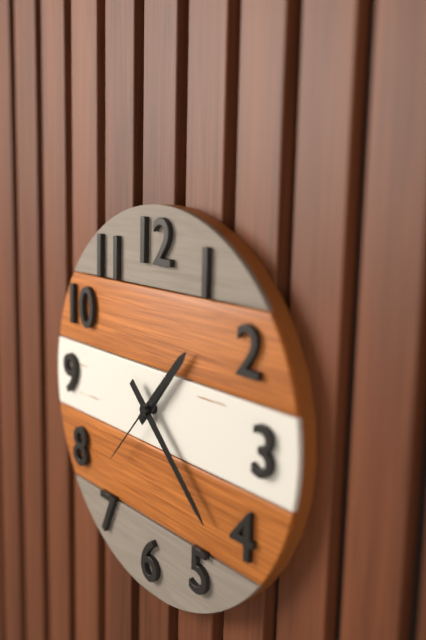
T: 1 h 22 min 37 s
